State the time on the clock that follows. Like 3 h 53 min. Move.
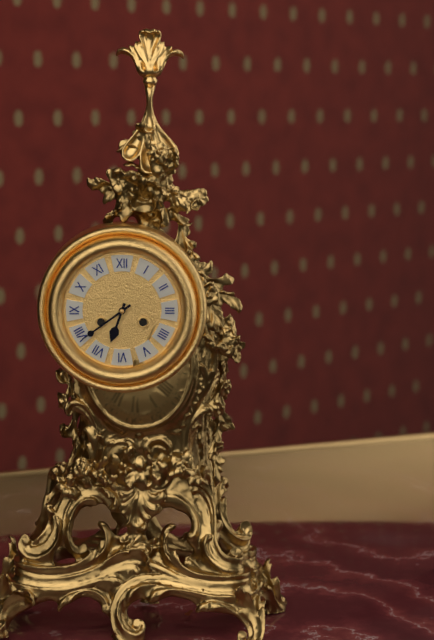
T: 6 h 39 min
